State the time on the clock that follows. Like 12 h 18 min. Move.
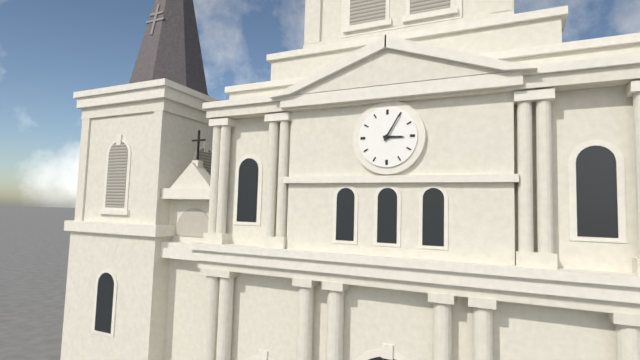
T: 3 h 05 min
